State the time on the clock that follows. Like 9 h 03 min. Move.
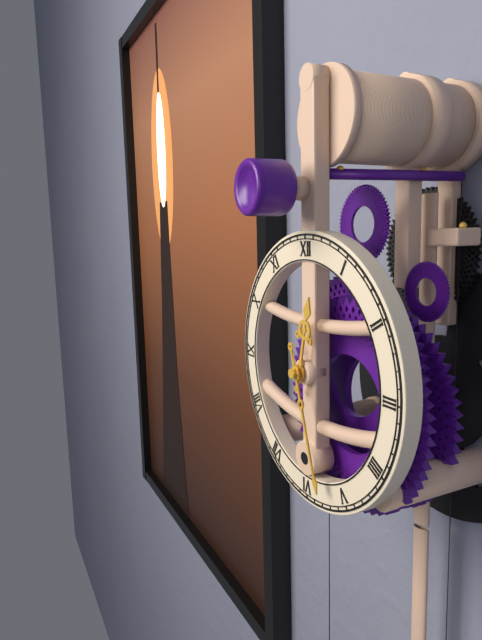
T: 12 h 27 min
